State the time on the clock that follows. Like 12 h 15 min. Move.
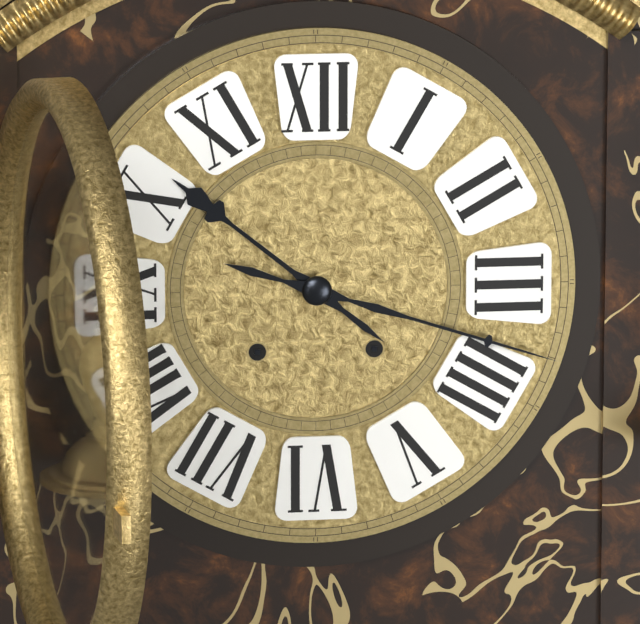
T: 10 h 18 min
